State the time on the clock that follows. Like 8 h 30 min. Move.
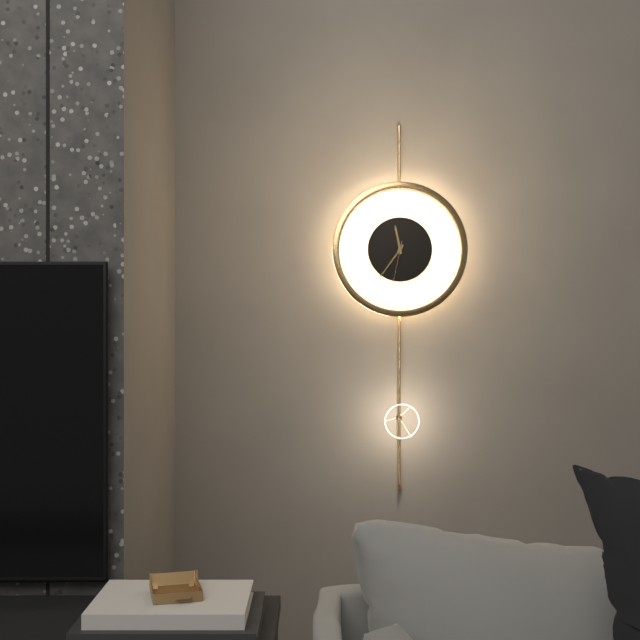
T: 11 h 36 min
